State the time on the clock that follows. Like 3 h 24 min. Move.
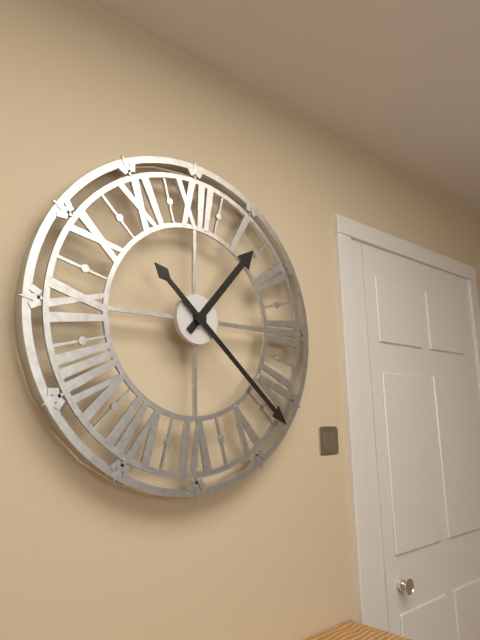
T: 1 h 22 min
